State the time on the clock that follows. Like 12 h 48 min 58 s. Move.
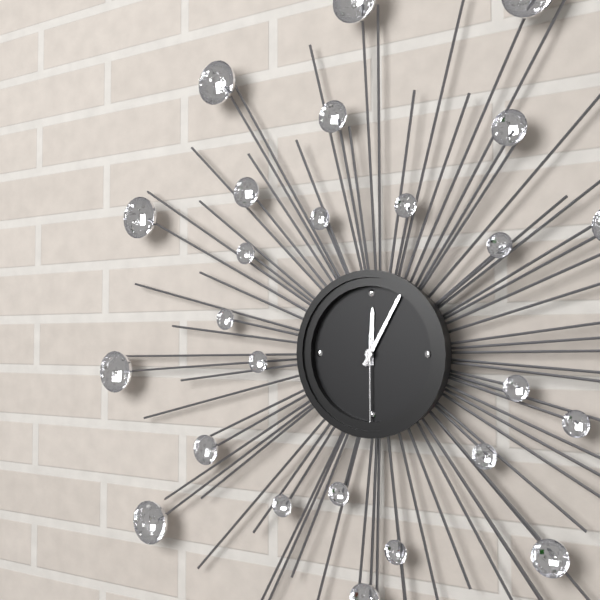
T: 12 h 05 min 30 s
